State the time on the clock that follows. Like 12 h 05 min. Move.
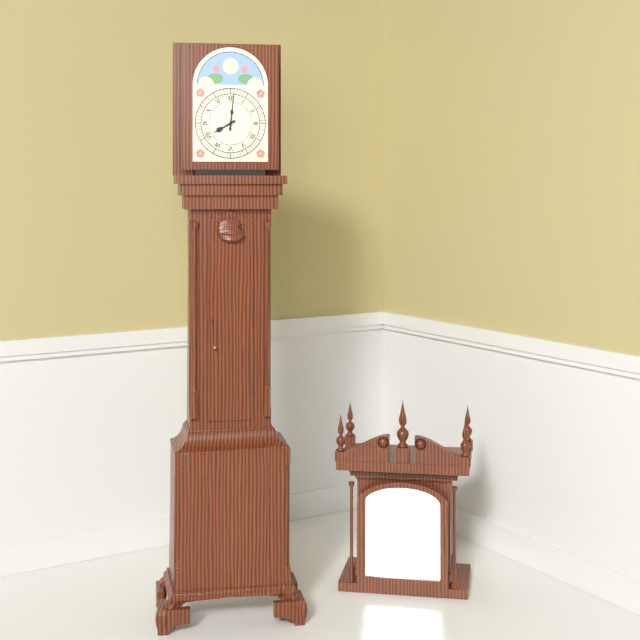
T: 8 h 01 min
